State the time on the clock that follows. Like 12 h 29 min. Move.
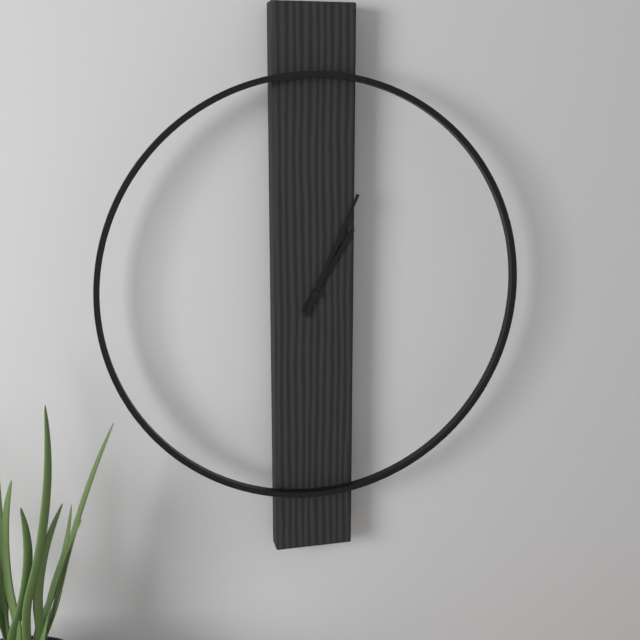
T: 1 h 04 min
